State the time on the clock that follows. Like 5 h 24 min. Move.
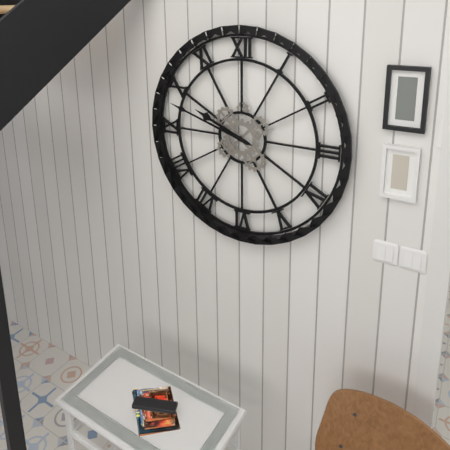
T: 9 h 48 min
